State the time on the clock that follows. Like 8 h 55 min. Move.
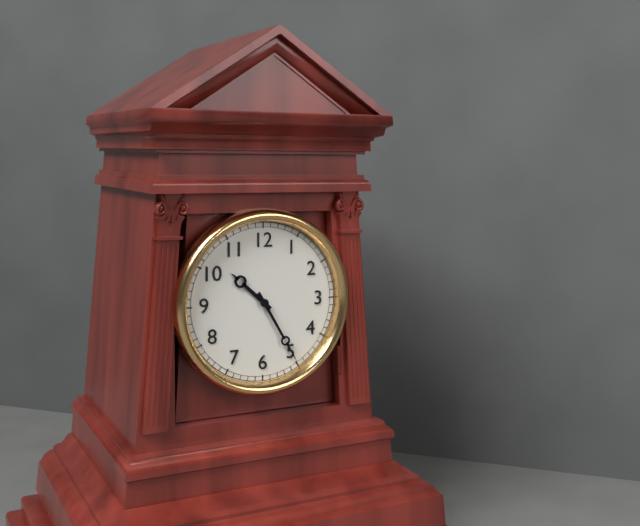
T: 10 h 25 min
